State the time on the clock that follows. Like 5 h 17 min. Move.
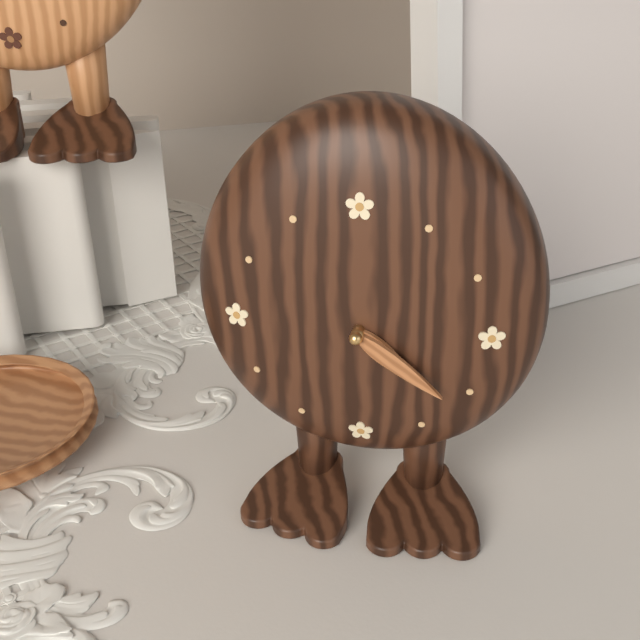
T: 4 h 21 min
